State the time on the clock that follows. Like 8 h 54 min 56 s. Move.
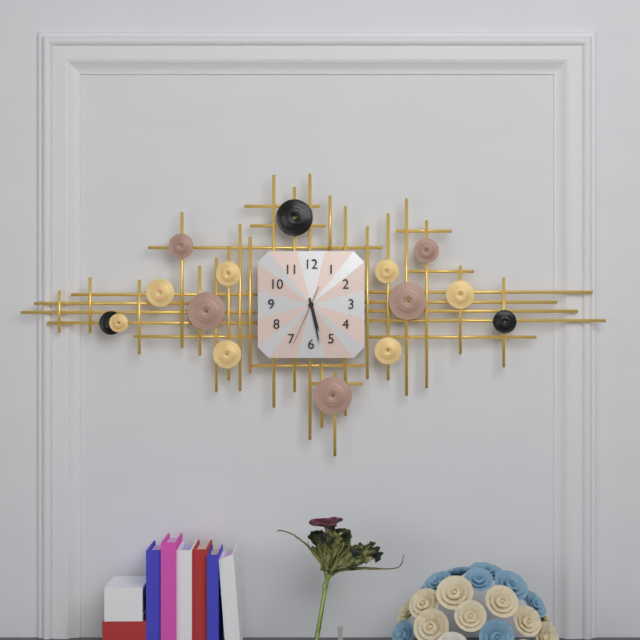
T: 5 h 28 min 34 s
